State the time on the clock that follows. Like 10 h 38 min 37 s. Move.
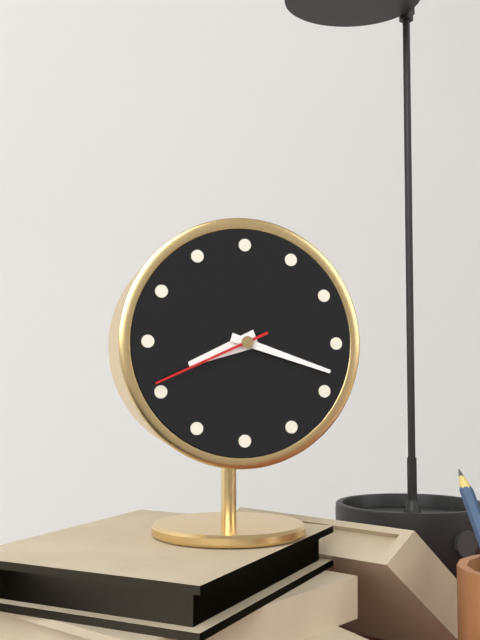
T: 8 h 18 min 41 s
